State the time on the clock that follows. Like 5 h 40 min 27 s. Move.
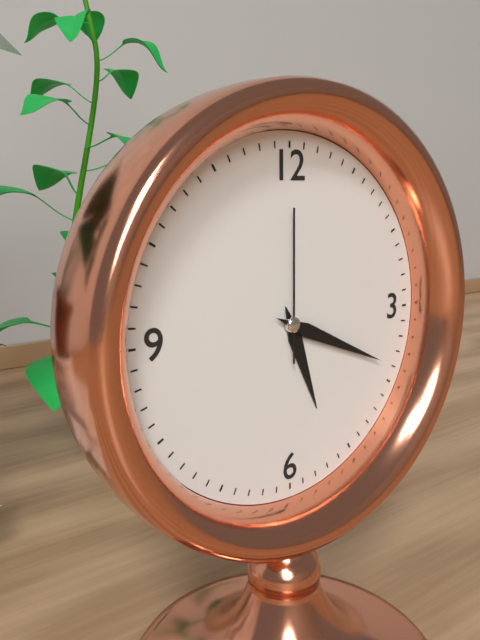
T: 5 h 19 min 00 s
